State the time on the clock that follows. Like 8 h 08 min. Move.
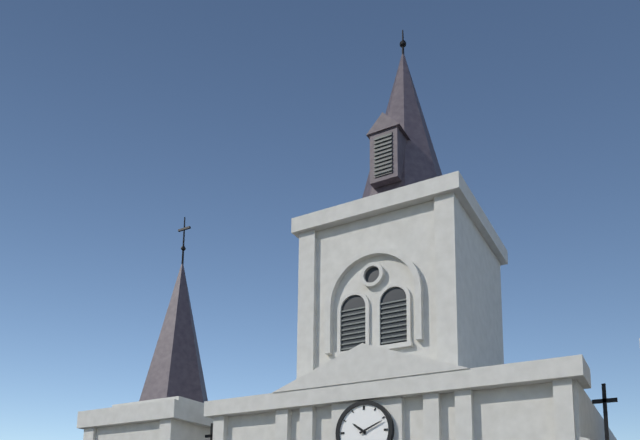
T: 10 h 11 min
